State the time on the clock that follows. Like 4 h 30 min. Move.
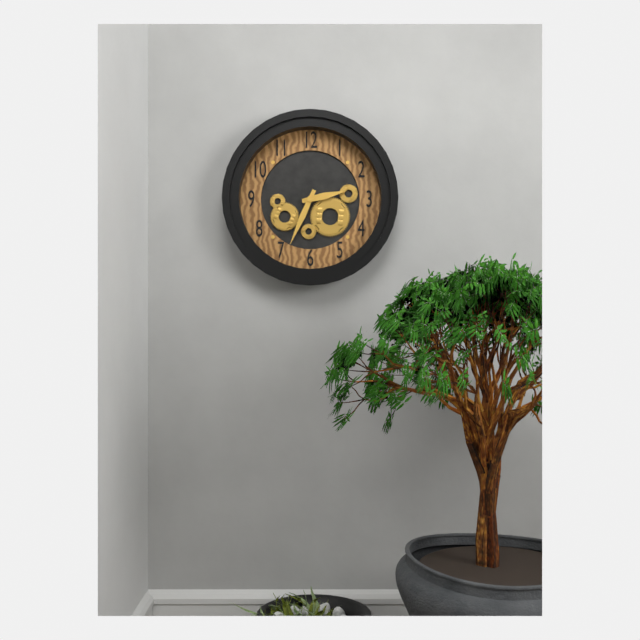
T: 2 h 34 min
